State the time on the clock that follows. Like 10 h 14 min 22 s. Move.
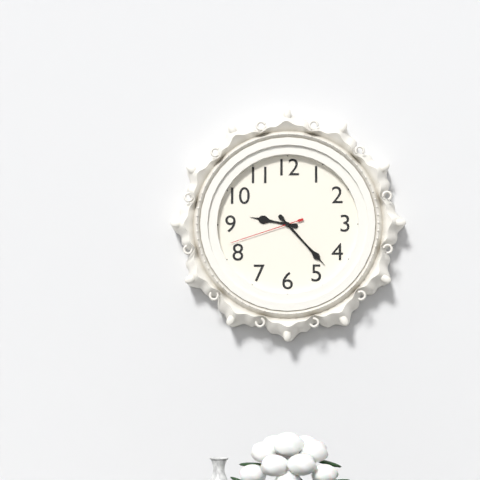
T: 9 h 23 min 42 s
